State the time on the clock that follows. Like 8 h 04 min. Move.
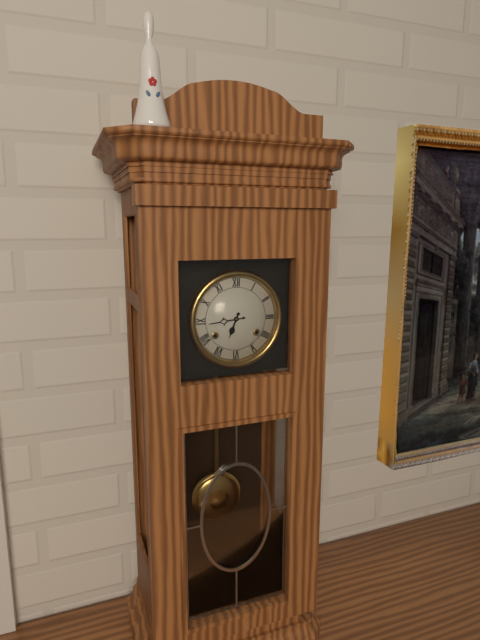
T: 6 h 44 min
